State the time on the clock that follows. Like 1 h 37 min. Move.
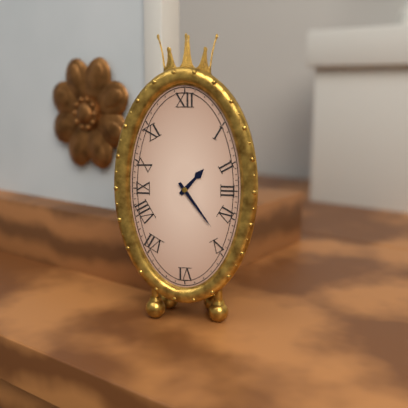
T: 1 h 24 min
